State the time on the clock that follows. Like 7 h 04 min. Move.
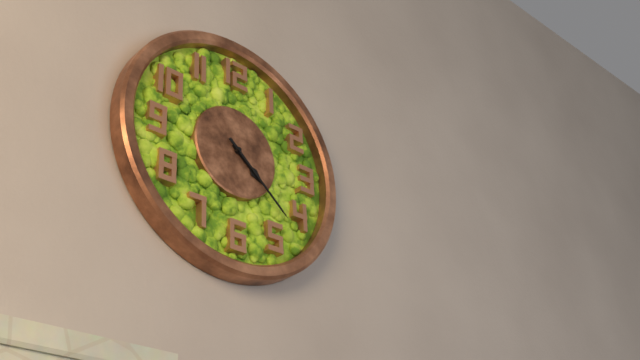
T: 4 h 22 min
